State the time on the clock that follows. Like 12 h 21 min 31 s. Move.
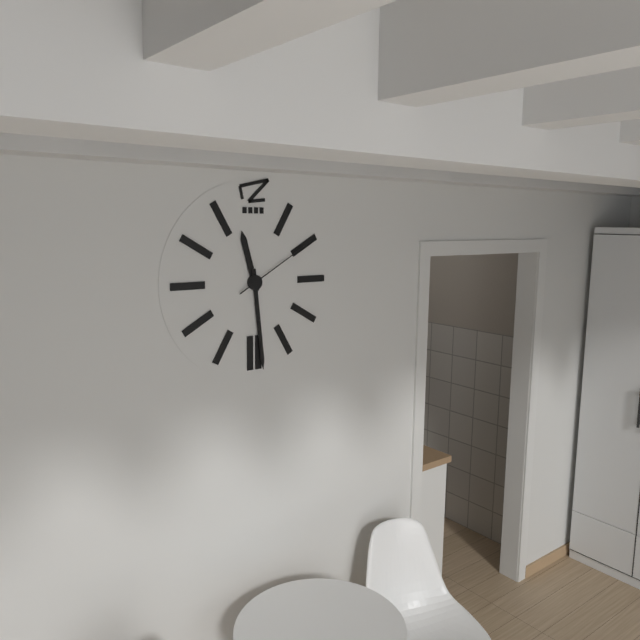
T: 11 h 29 min 10 s
